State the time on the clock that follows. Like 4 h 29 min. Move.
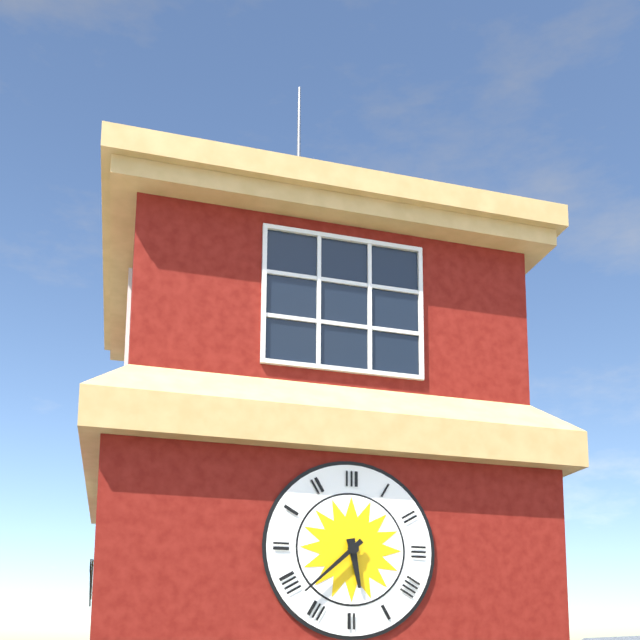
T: 5 h 38 min
